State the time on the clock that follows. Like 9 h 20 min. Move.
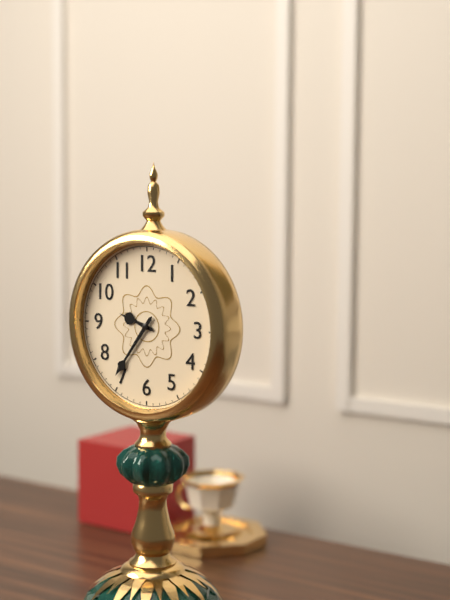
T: 9 h 36 min
